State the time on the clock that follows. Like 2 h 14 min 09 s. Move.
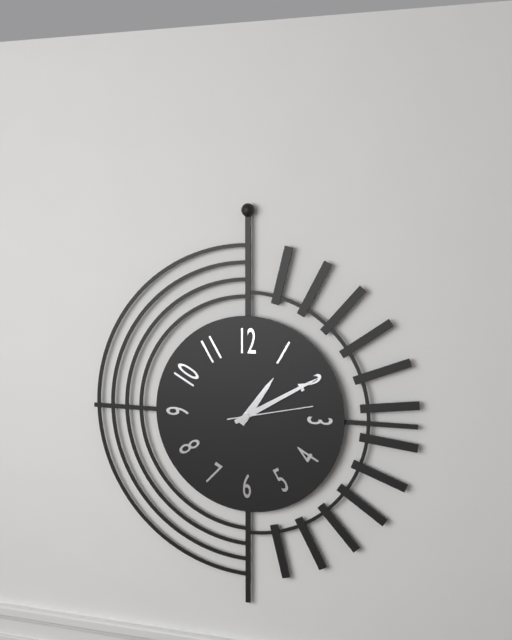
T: 1 h 10 min 13 s
